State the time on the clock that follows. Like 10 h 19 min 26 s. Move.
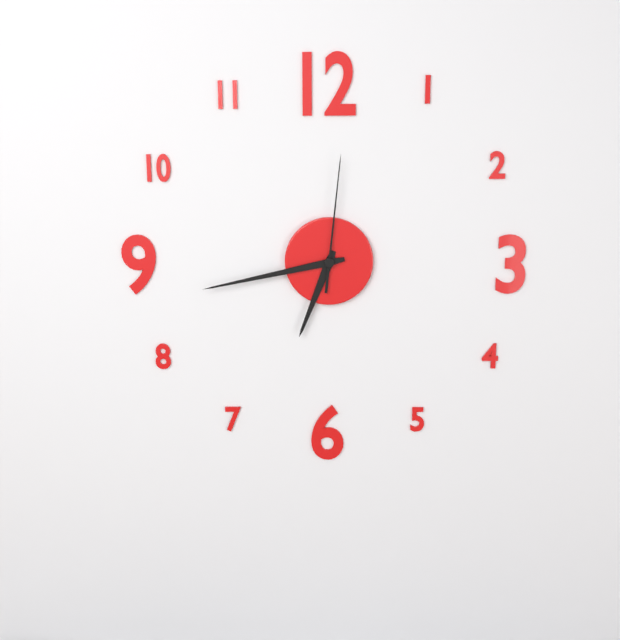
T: 6 h 43 min 01 s
